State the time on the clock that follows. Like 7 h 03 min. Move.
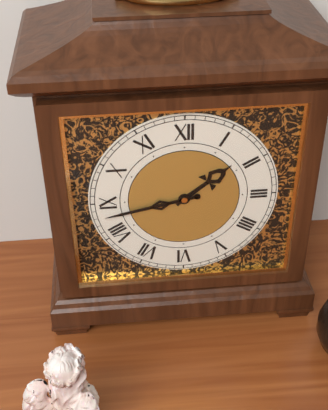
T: 1 h 43 min
